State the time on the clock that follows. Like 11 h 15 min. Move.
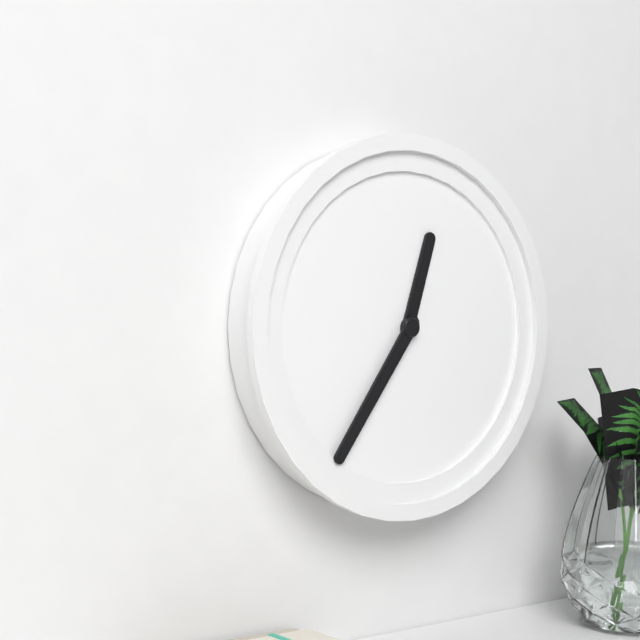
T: 12 h 36 min
